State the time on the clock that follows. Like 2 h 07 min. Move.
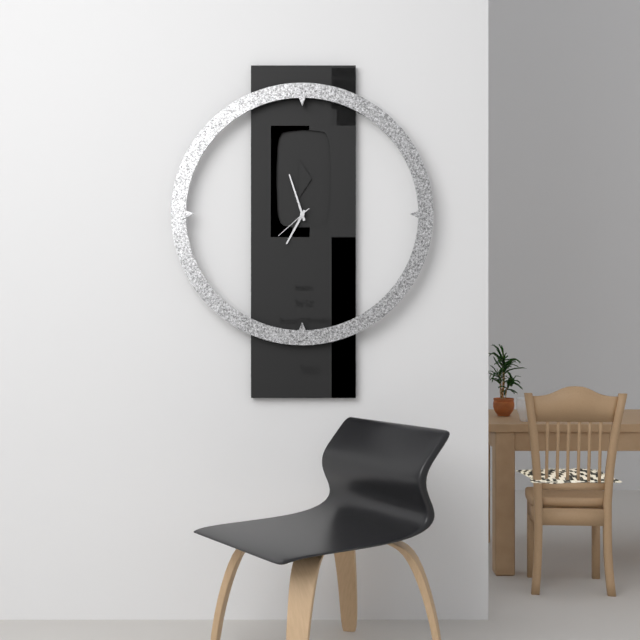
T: 6 h 57 min
